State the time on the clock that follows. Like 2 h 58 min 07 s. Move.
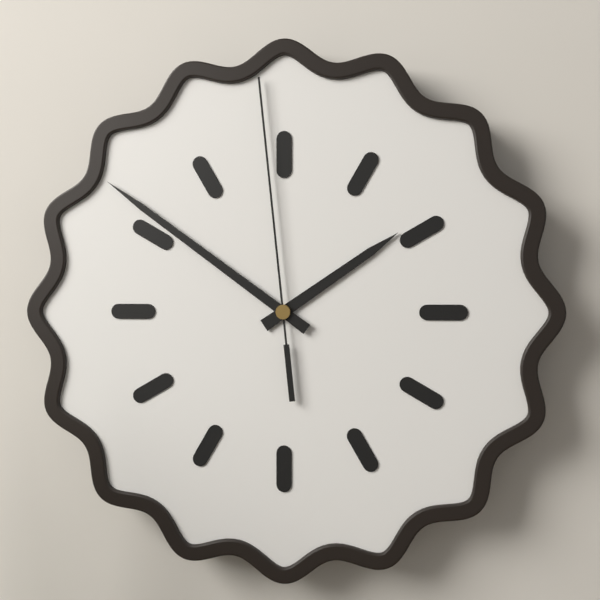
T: 1 h 51 min 59 s
